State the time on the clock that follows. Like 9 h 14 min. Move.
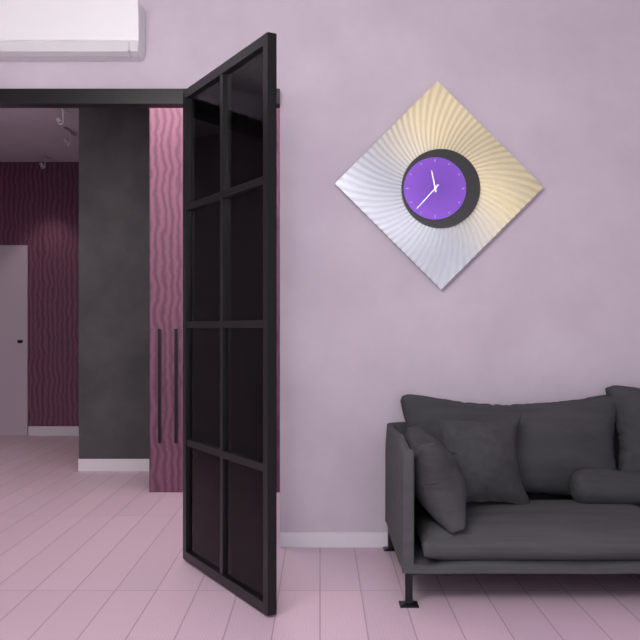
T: 11 h 37 min
